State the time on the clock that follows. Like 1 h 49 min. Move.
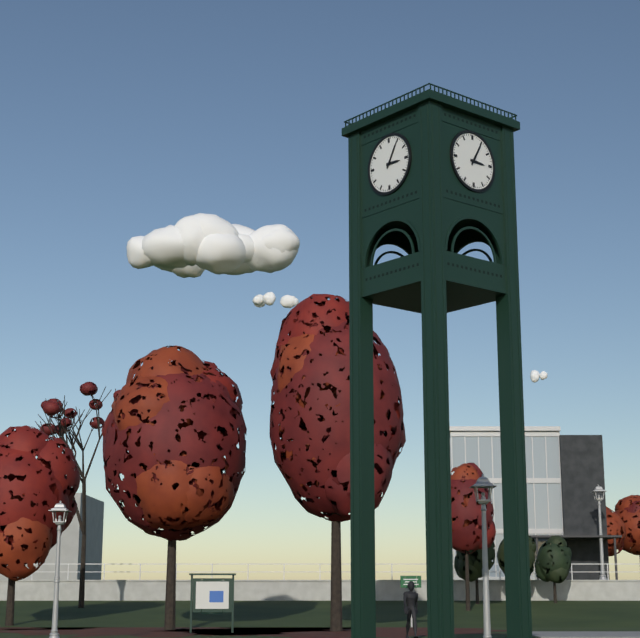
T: 3 h 05 min
